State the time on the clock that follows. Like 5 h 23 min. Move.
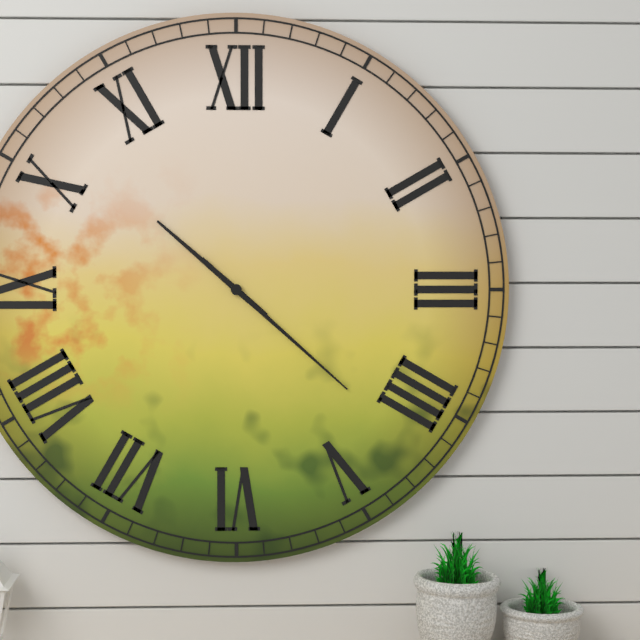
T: 10 h 22 min
